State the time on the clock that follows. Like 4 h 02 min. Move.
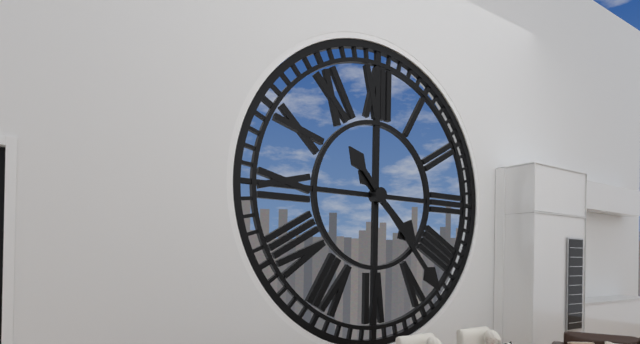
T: 4 h 23 min
